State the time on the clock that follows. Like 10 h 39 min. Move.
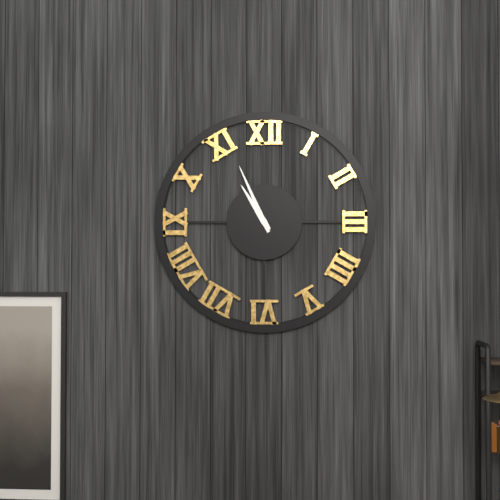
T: 10 h 56 min
